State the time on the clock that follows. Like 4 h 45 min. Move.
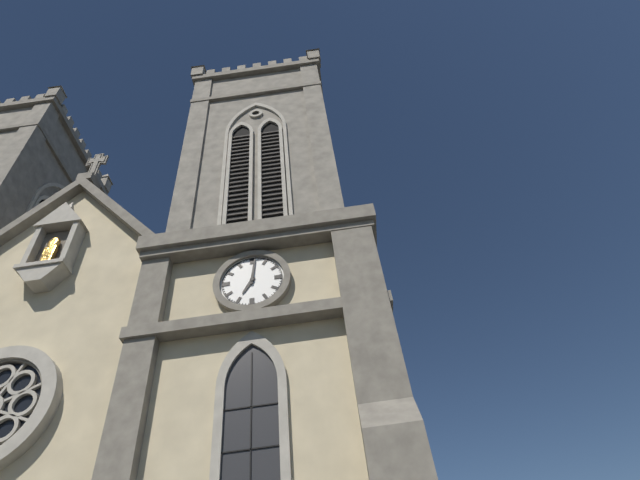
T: 7 h 01 min
